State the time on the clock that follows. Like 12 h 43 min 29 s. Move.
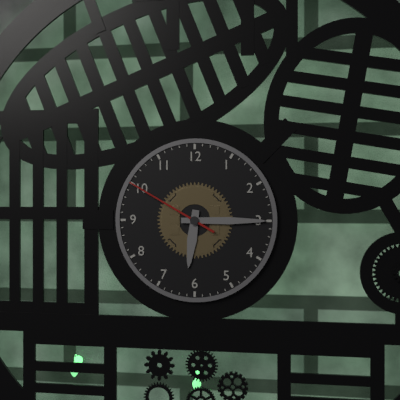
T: 6 h 15 min 50 s
